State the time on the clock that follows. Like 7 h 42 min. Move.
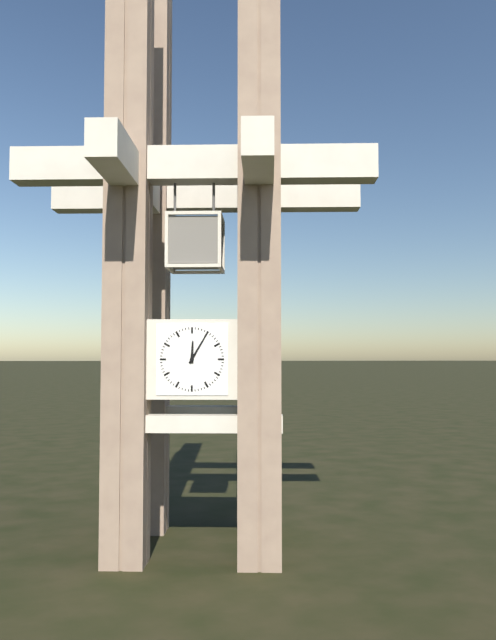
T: 12 h 05 min
